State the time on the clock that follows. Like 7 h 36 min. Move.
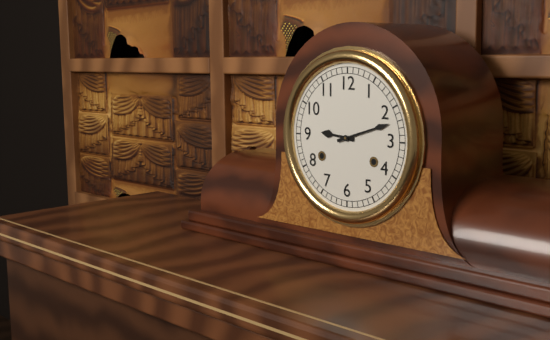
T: 9 h 12 min
